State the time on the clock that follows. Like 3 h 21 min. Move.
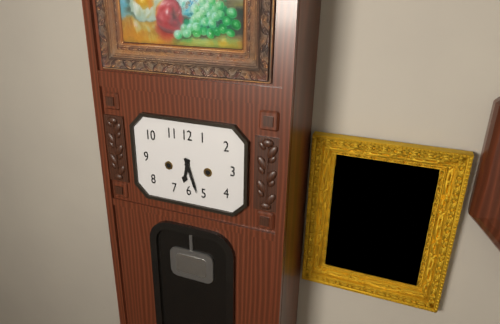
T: 6 h 27 min
